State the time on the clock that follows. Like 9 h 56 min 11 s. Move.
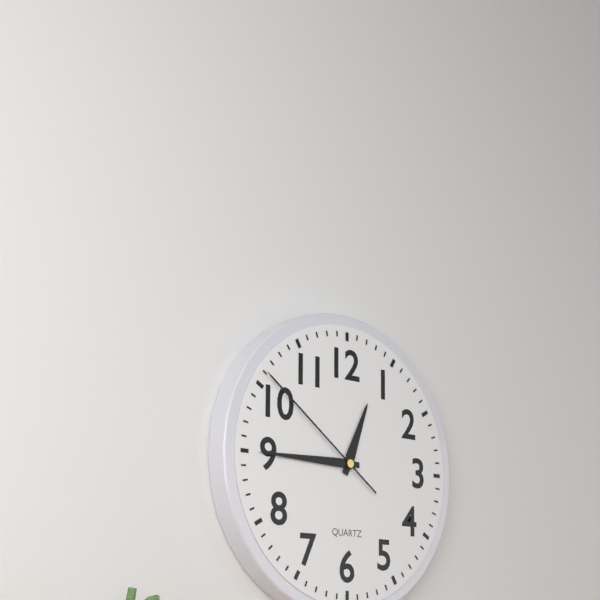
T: 12 h 45 min 51 s
